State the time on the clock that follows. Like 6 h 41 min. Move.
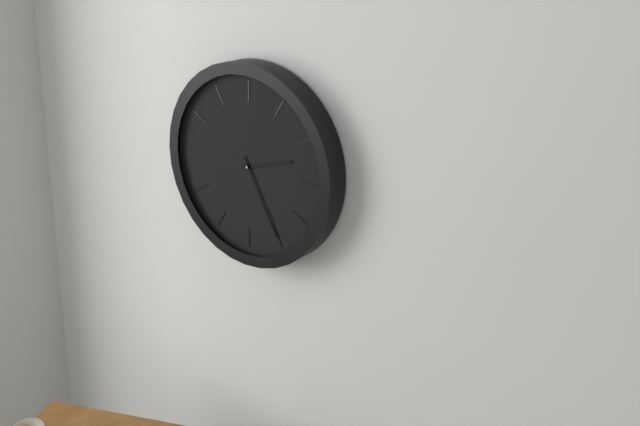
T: 2 h 25 min
